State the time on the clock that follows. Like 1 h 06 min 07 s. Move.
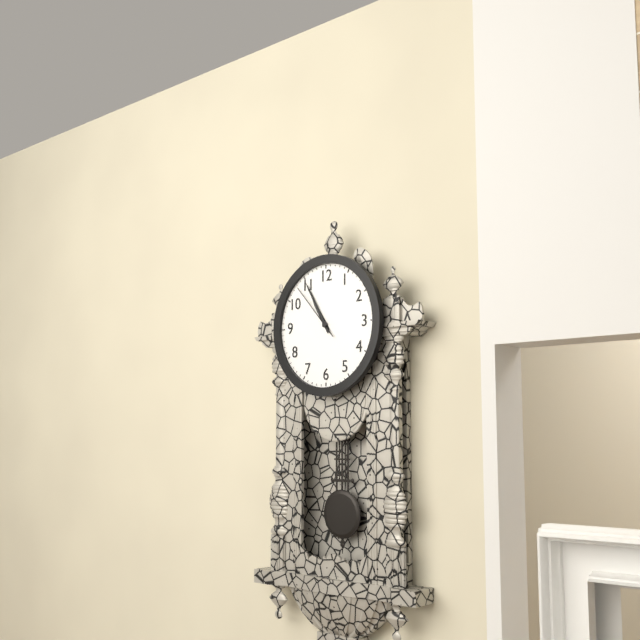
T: 10 h 55 min 53 s
